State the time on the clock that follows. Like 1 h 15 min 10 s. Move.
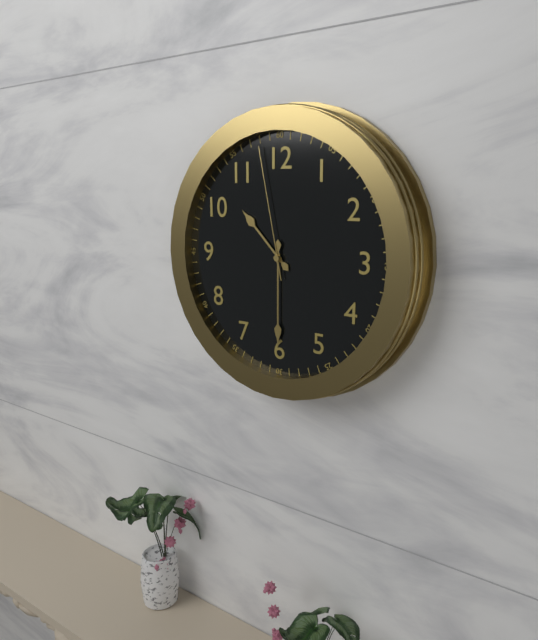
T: 10 h 30 min 58 s
